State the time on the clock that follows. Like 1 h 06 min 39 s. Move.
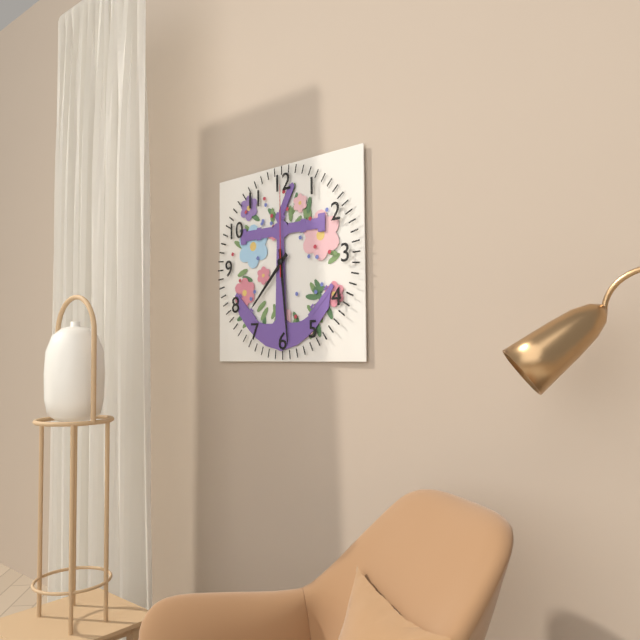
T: 7 h 29 min 00 s
